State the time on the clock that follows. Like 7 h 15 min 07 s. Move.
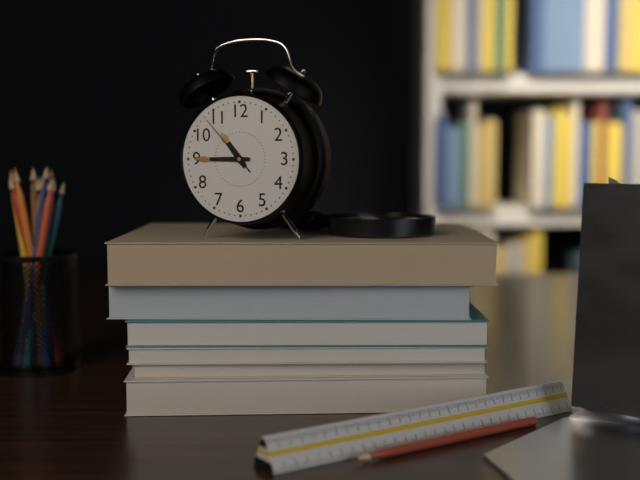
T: 10 h 45 min 53 s
